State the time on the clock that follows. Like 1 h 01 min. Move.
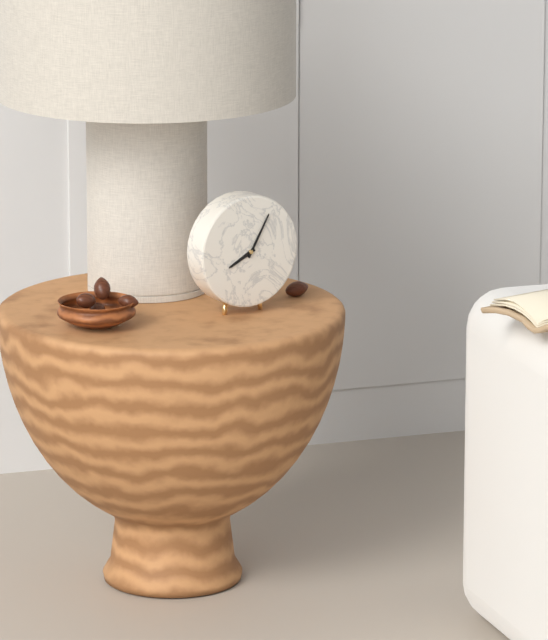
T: 8 h 05 min
